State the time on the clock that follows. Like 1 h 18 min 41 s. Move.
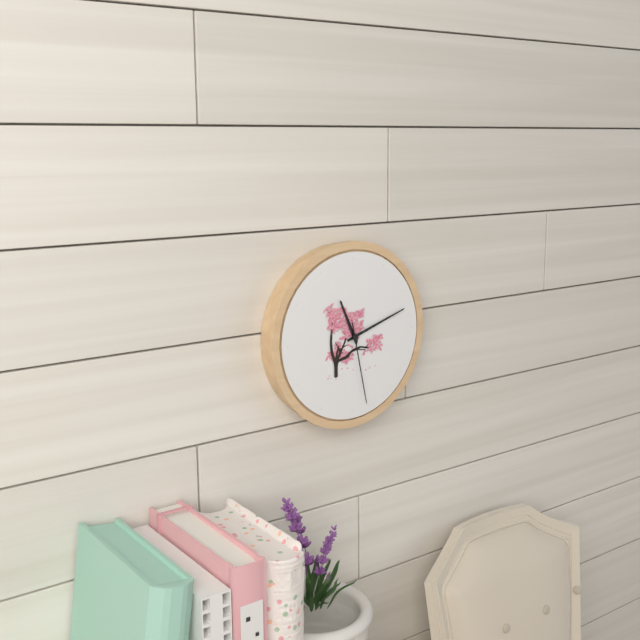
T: 11 h 12 min 28 s
